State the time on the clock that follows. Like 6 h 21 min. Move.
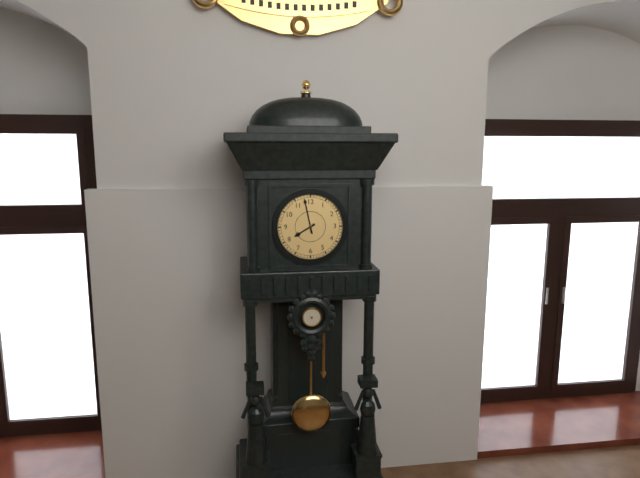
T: 7 h 58 min
